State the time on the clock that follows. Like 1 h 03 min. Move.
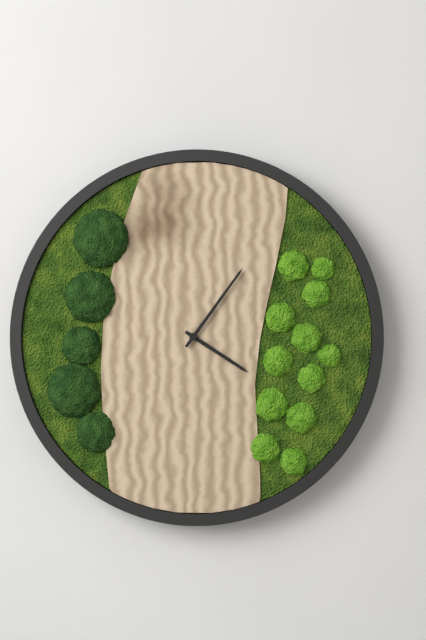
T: 4 h 06 min
